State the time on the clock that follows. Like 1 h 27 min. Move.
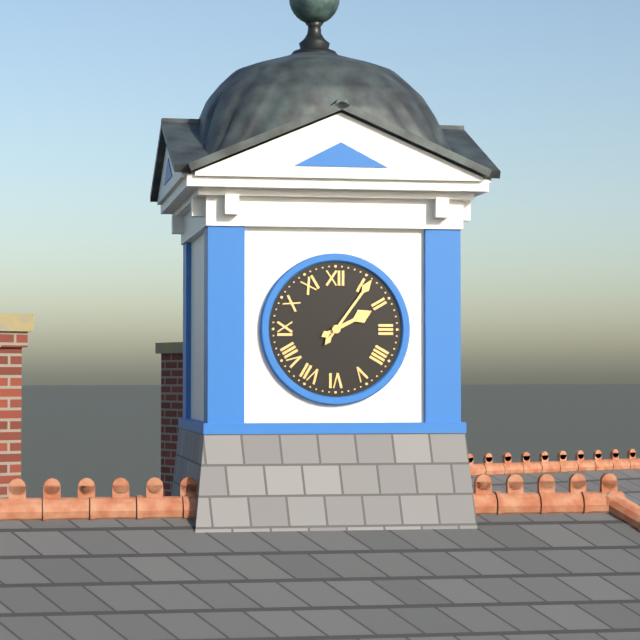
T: 2 h 06 min
